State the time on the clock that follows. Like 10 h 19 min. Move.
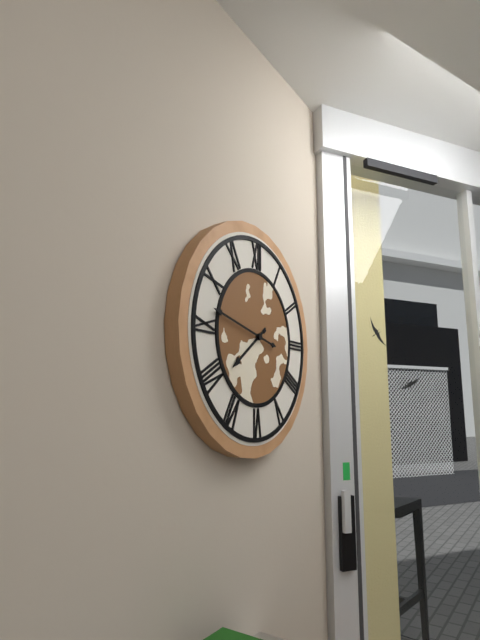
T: 7 h 47 min
